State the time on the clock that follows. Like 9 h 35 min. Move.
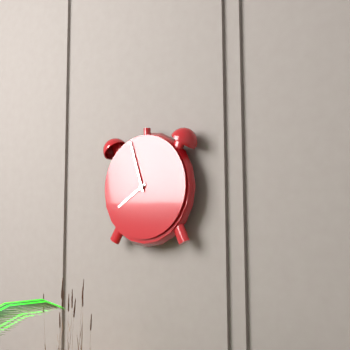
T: 7 h 57 min
